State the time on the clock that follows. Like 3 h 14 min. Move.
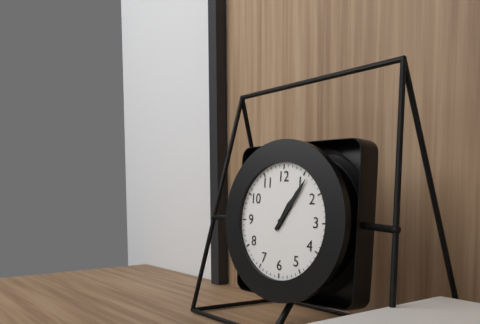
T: 1 h 06 min
